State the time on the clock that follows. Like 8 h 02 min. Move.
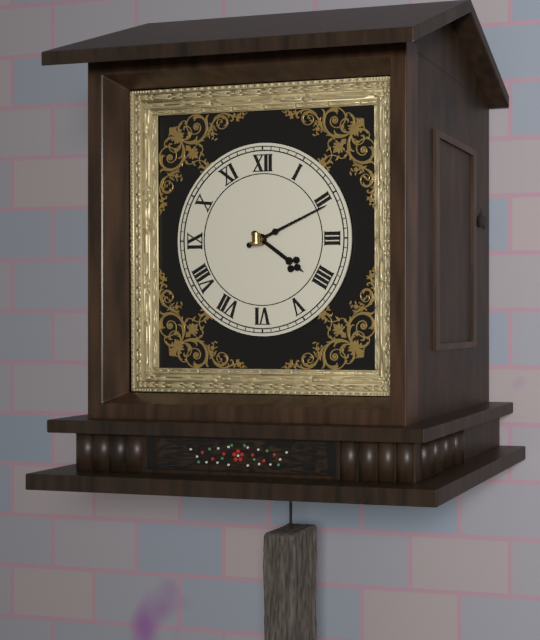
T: 4 h 11 min
